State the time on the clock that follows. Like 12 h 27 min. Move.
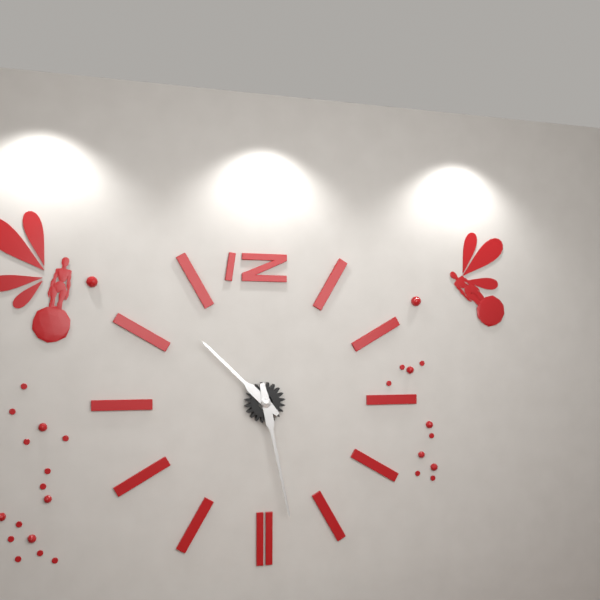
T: 10 h 28 min
